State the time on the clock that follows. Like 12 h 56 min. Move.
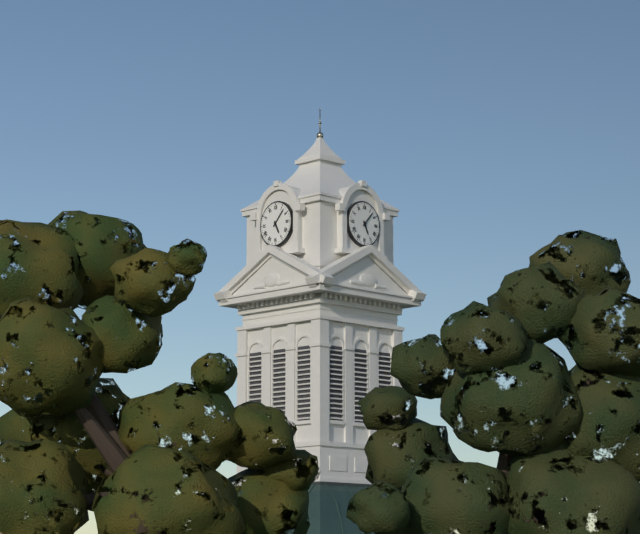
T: 5 h 07 min
